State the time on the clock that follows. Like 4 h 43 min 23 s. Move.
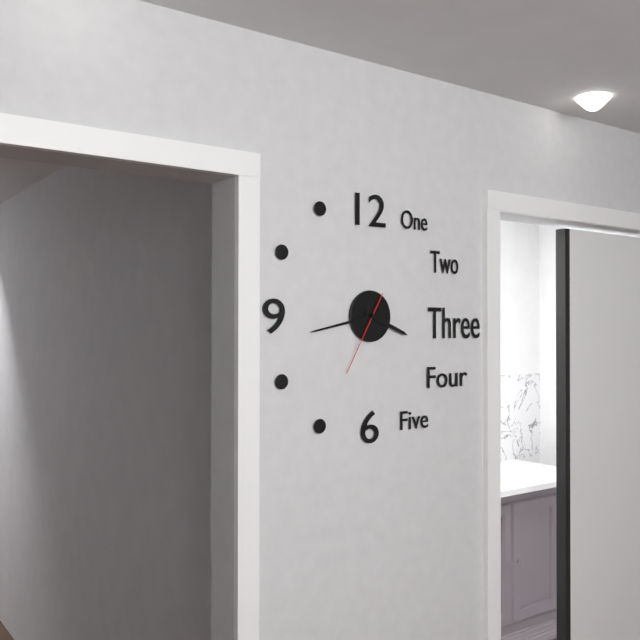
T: 3 h 43 min 35 s
